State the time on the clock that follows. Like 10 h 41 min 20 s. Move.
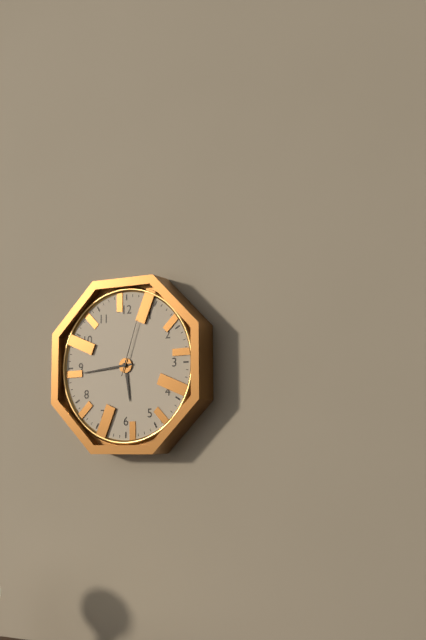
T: 5 h 44 min 03 s
